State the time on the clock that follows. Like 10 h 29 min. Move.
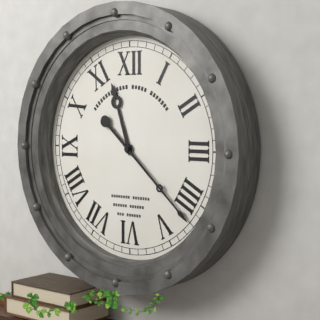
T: 11 h 22 min
